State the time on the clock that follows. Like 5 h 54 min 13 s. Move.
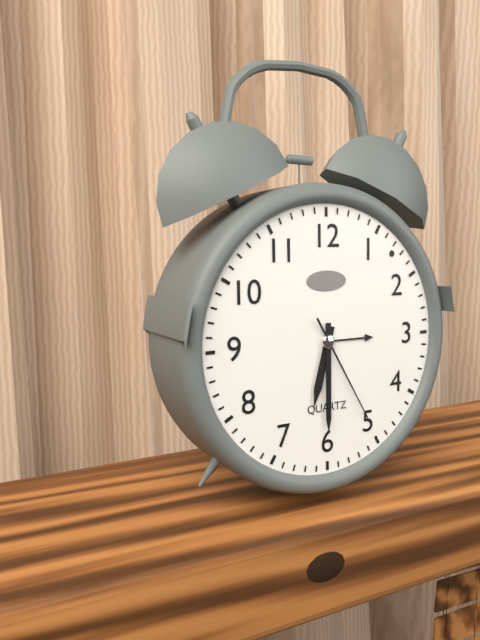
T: 6 h 30 min 25 s
